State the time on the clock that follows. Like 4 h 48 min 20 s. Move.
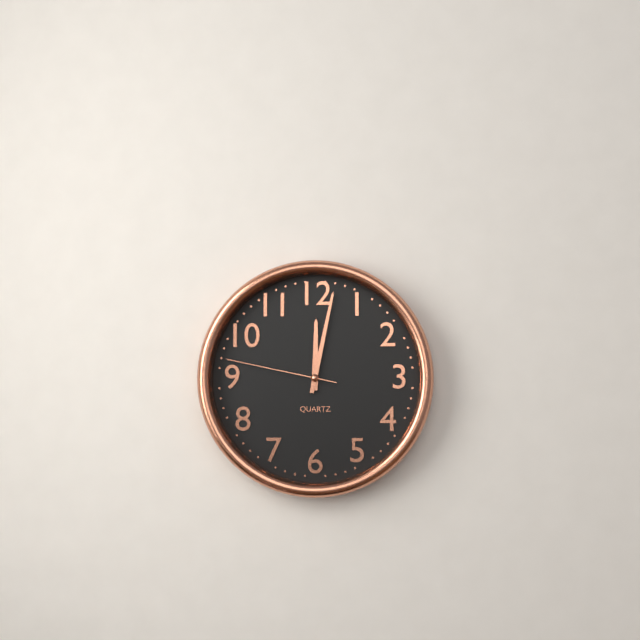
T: 12 h 02 min 47 s
